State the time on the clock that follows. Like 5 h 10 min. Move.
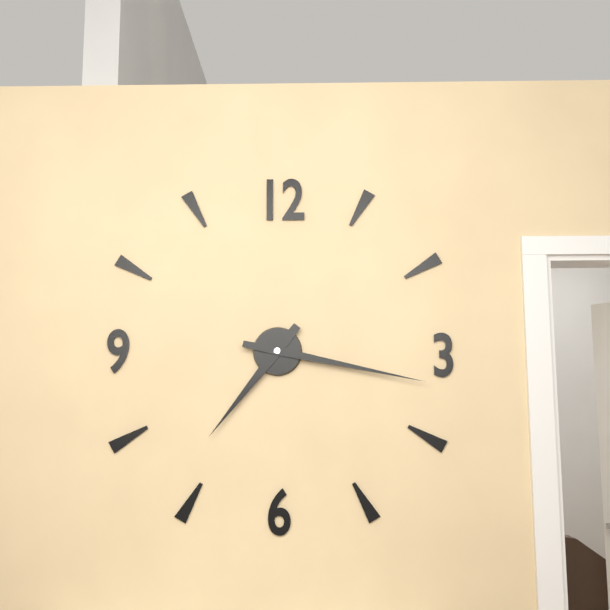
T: 7 h 17 min
